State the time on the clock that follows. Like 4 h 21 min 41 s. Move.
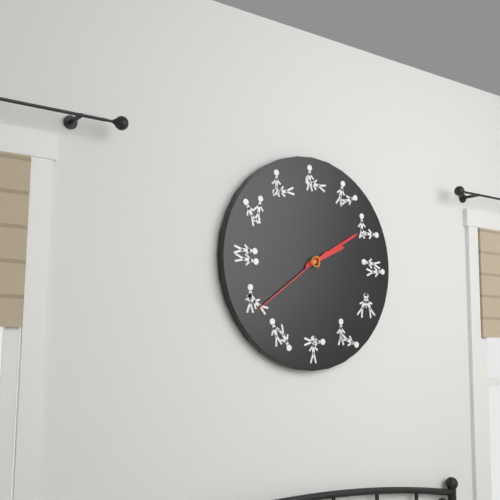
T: 2 h 10 min 39 s
